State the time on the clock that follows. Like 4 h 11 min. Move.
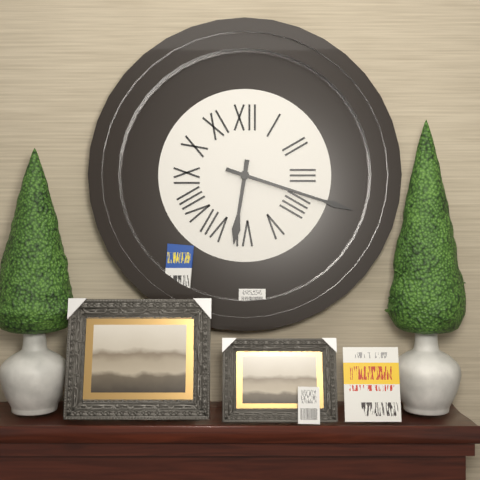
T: 6 h 18 min
